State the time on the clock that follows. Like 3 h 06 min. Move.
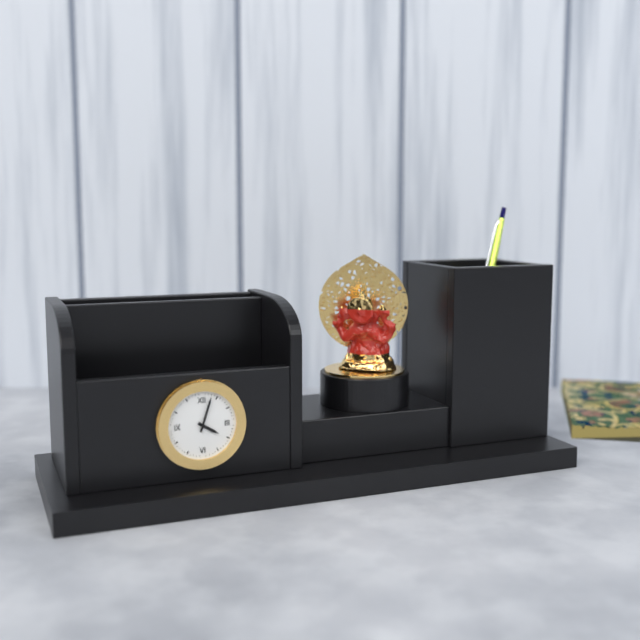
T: 4 h 03 min
